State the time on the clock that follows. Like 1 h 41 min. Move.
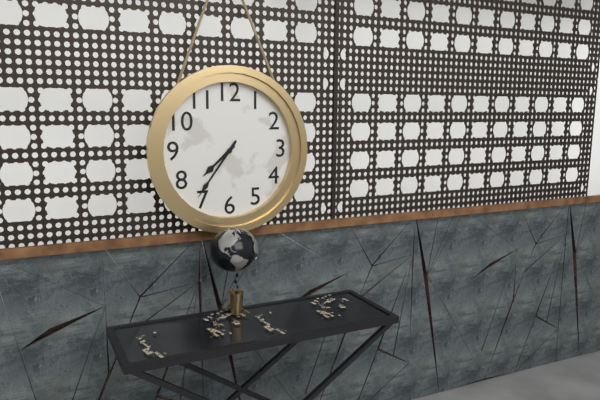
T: 7 h 36 min
